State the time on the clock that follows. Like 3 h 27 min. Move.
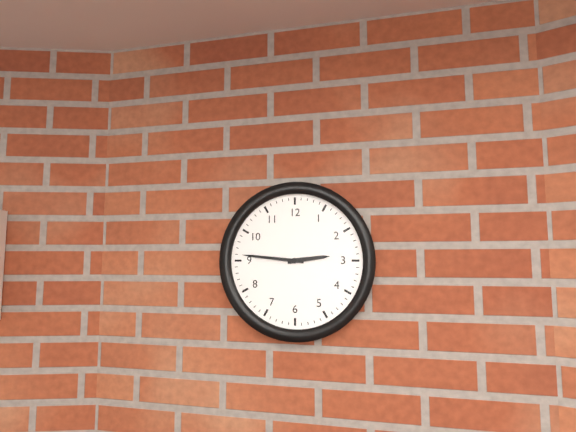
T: 2 h 46 min
